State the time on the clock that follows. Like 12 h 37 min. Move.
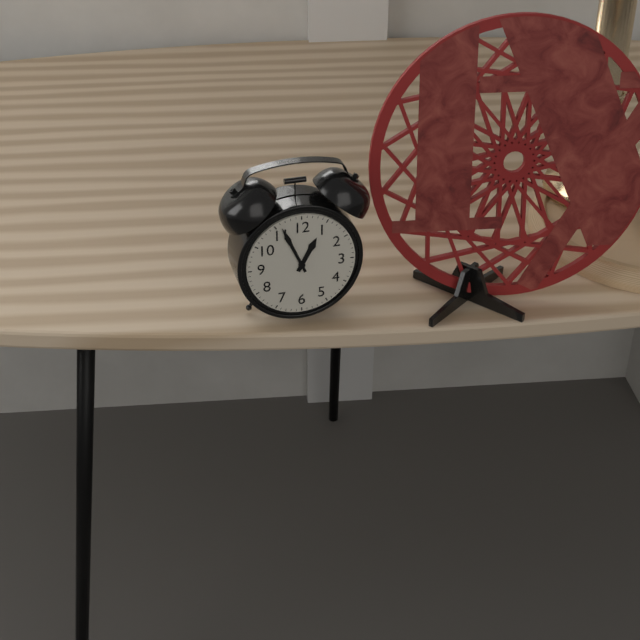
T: 12 h 56 min
